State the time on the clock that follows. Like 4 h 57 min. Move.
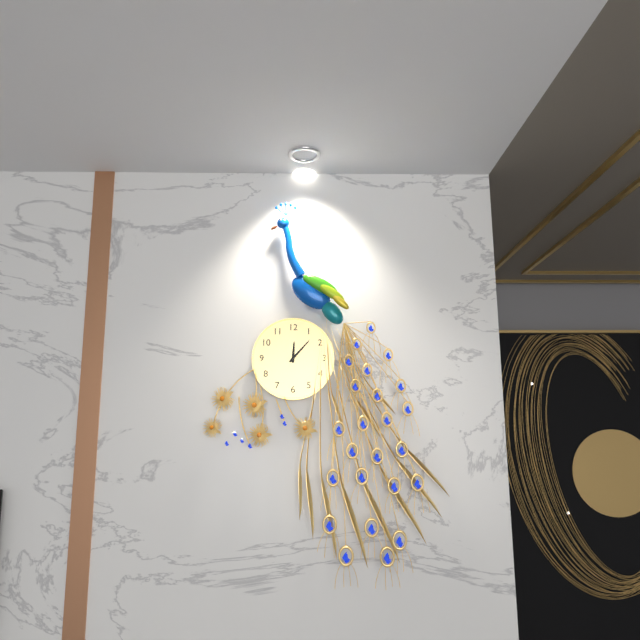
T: 12 h 07 min
